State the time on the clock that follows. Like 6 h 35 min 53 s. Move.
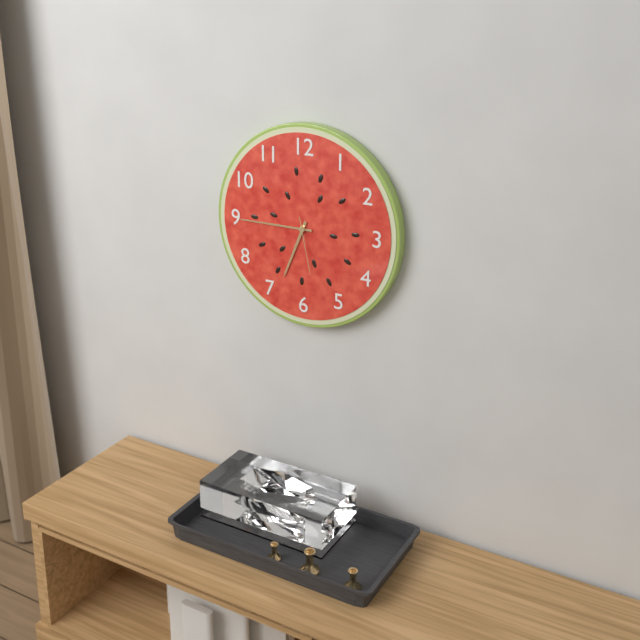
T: 6 h 45 min 28 s
